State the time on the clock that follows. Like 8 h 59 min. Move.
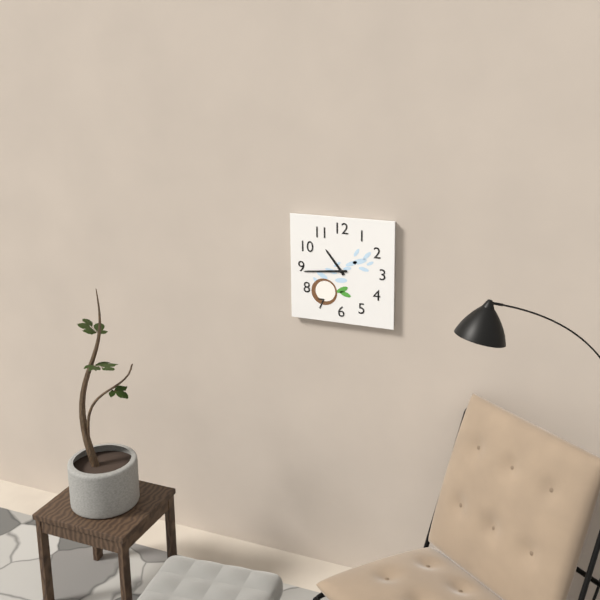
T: 10 h 44 min
